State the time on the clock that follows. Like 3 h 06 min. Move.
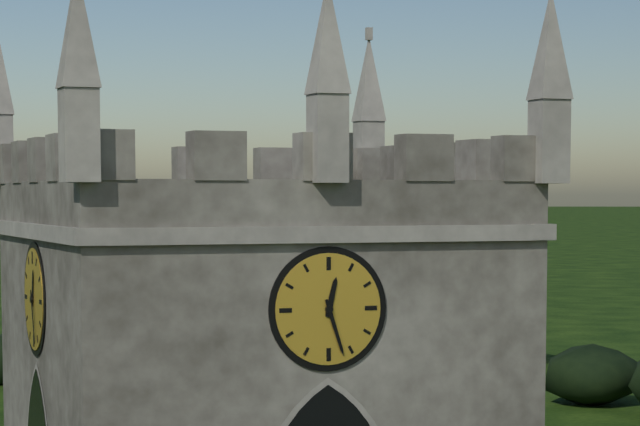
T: 12 h 27 min
